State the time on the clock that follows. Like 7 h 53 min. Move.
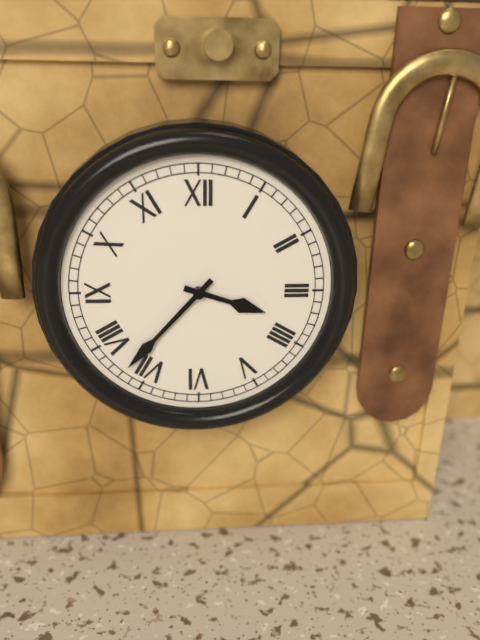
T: 3 h 37 min
